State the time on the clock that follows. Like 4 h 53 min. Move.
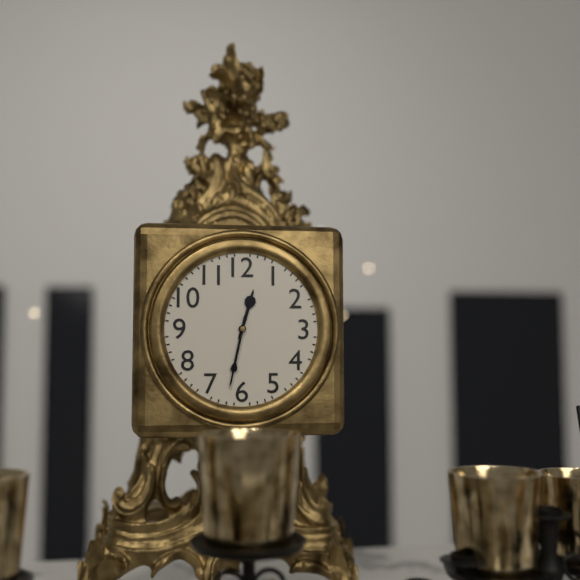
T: 12 h 32 min
